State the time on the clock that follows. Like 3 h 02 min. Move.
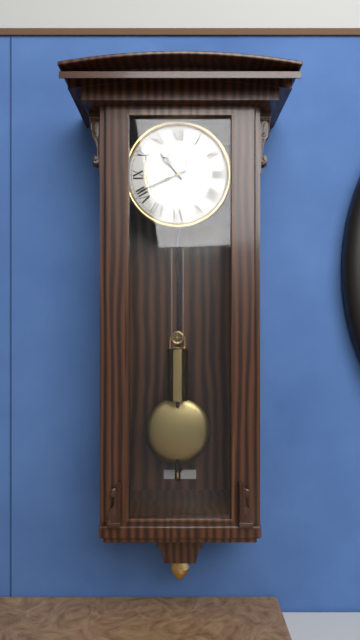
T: 10 h 41 min
